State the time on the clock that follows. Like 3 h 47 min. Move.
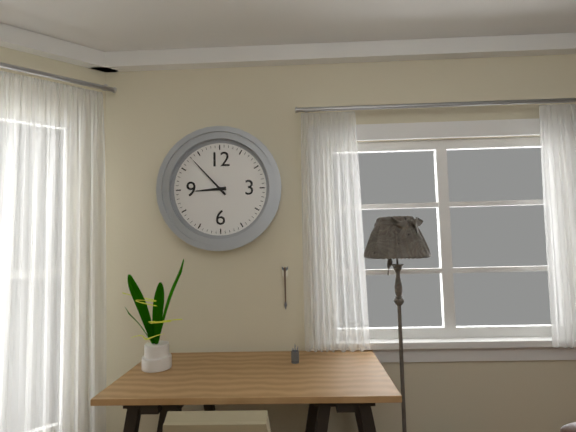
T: 8 h 53 min
